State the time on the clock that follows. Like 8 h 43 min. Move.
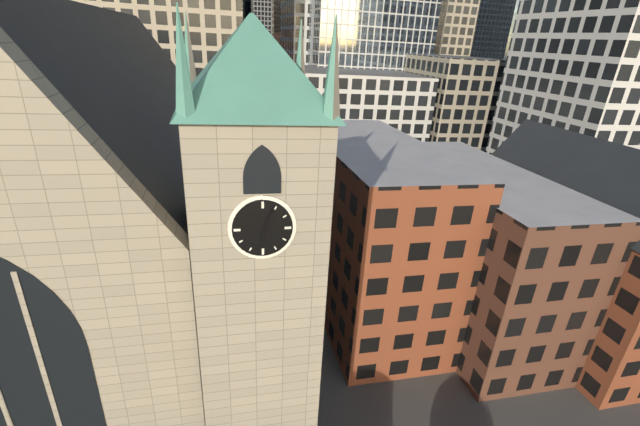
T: 6 h 04 min
